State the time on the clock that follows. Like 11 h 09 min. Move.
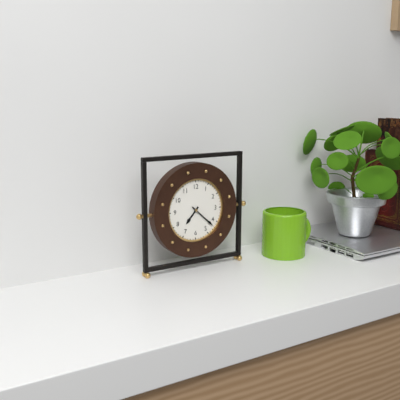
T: 7 h 22 min
